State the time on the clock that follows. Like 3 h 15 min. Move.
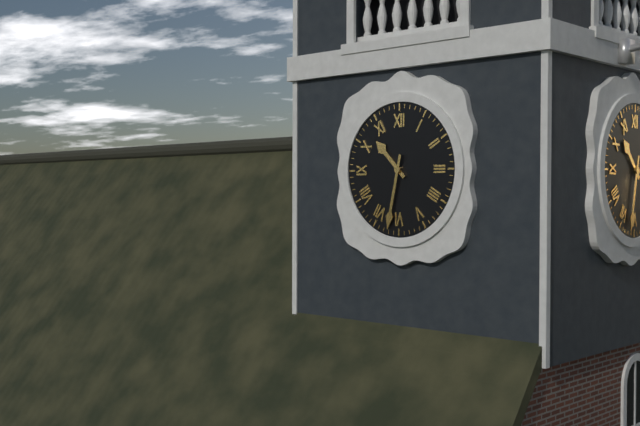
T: 10 h 32 min
